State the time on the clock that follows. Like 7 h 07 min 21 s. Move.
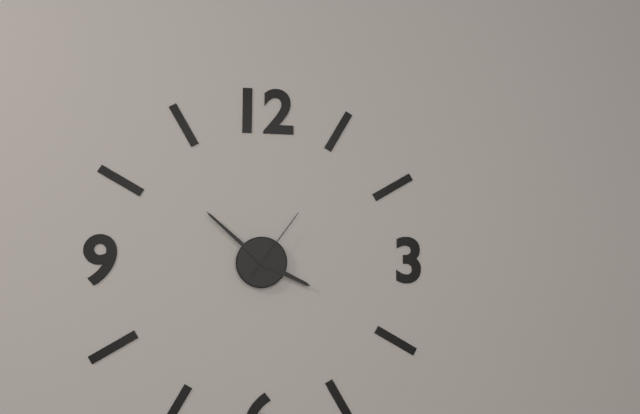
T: 3 h 52 min 06 s
